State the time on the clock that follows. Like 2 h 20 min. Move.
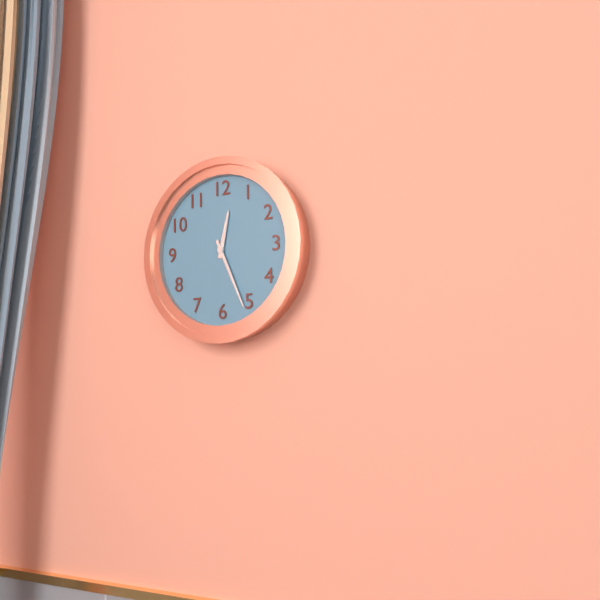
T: 12 h 26 min
